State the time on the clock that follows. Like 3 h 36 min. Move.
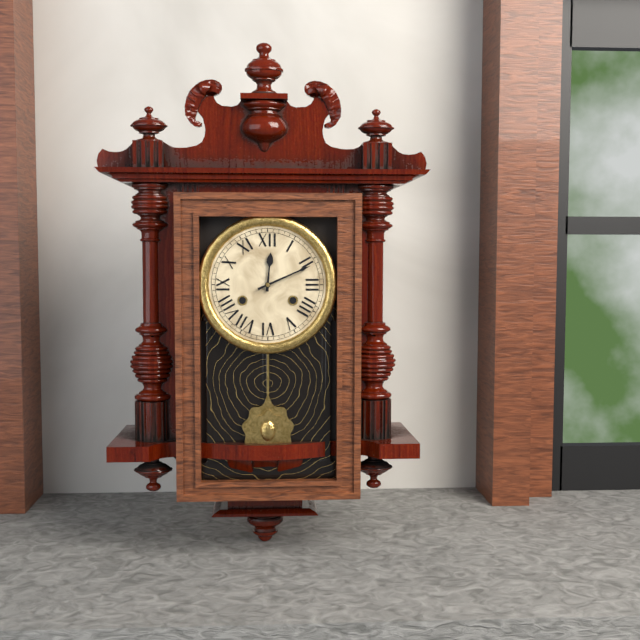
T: 12 h 11 min
